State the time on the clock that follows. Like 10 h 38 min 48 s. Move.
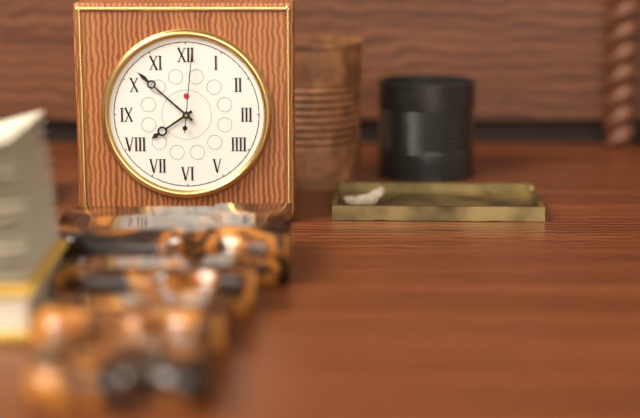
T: 7 h 52 min 01 s
